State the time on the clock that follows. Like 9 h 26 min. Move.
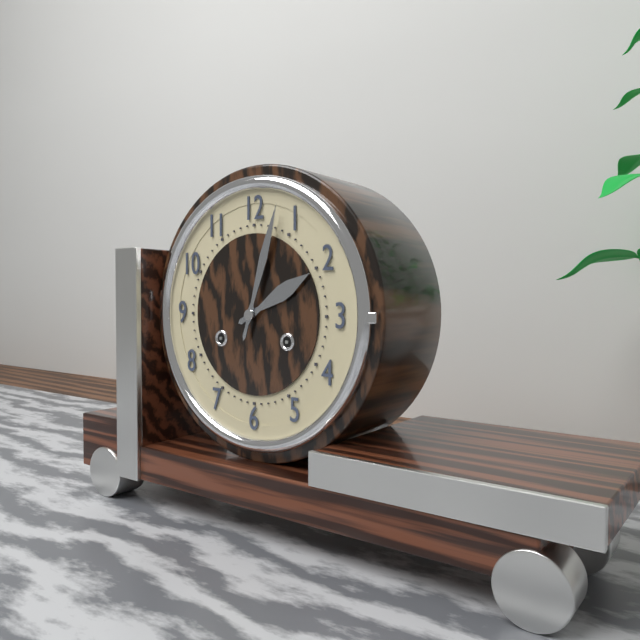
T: 2 h 03 min
